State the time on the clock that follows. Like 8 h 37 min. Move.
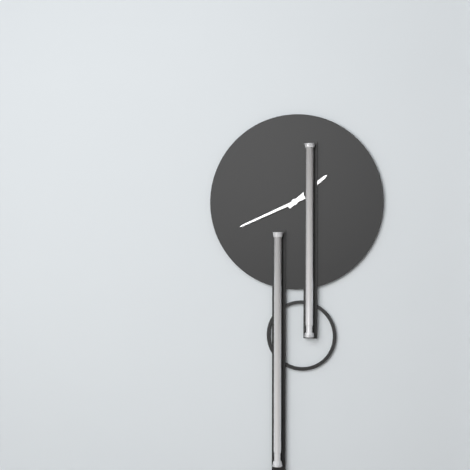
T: 1 h 41 min
